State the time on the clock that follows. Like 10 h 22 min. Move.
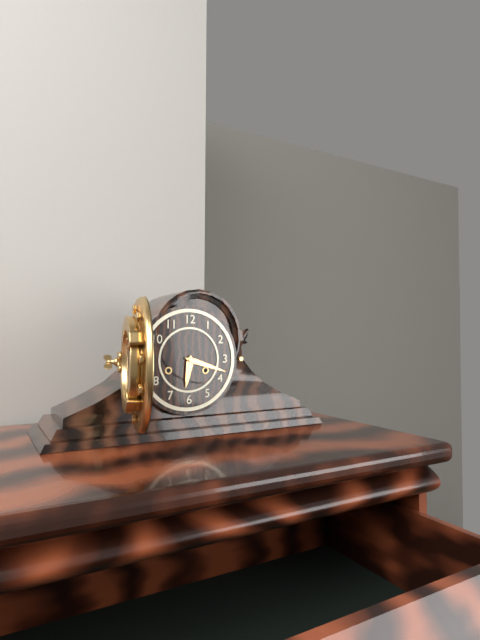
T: 6 h 18 min
